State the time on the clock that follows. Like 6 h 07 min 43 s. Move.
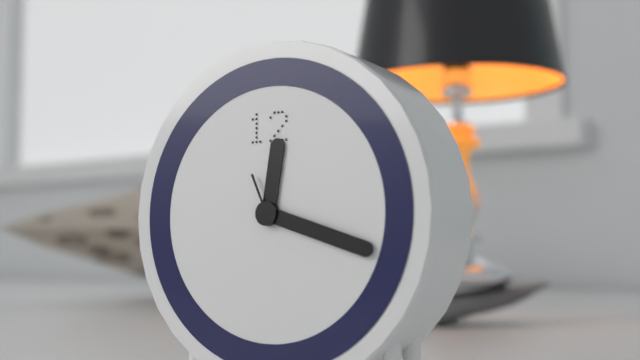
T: 12 h 18 min 56 s
